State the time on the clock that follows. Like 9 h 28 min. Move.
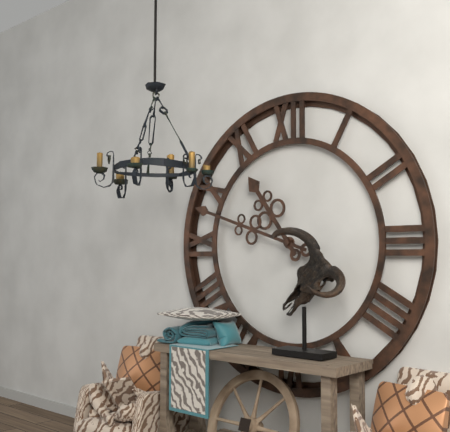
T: 10 h 48 min
